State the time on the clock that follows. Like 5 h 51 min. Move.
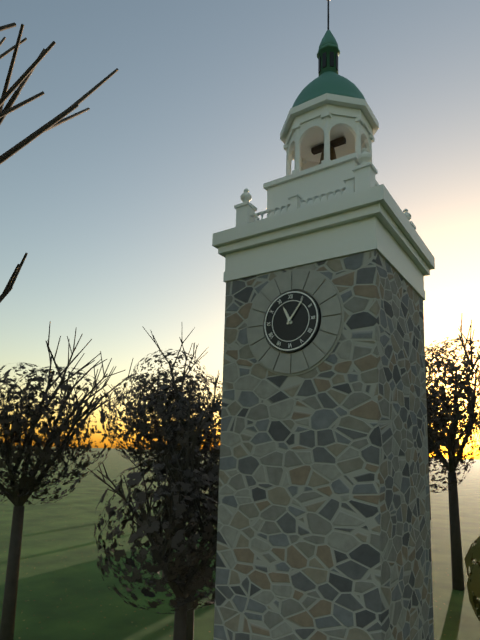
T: 11 h 06 min
